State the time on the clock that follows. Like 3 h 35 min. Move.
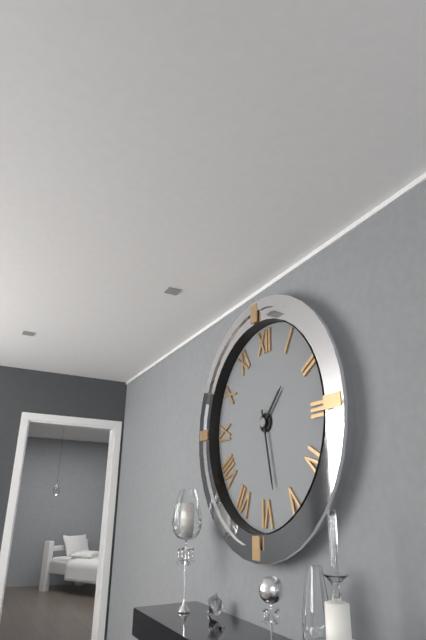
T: 1 h 28 min
